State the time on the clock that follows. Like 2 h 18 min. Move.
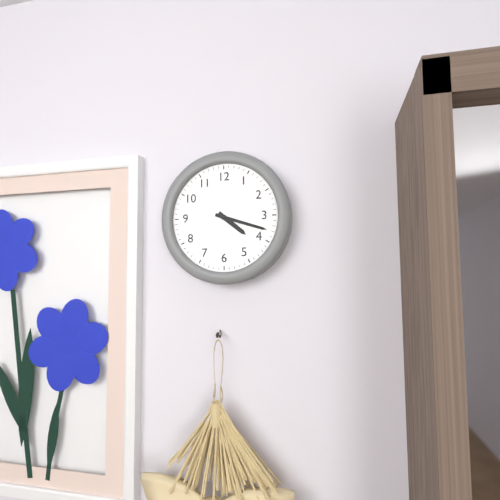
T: 4 h 18 min
